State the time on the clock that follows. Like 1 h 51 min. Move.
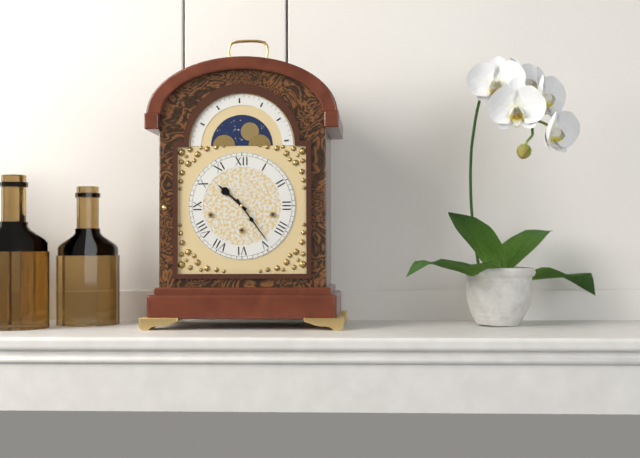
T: 10 h 24 min
